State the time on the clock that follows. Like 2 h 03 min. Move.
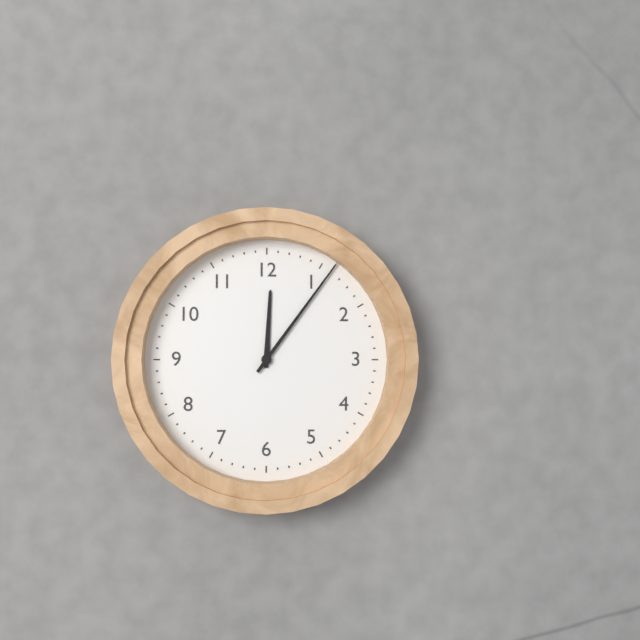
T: 12 h 06 min
